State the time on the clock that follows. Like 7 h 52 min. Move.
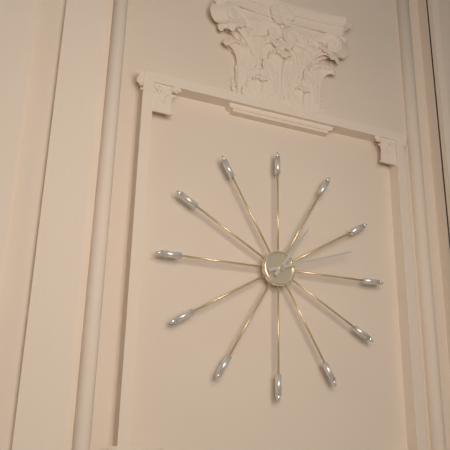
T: 1 h 12 min
